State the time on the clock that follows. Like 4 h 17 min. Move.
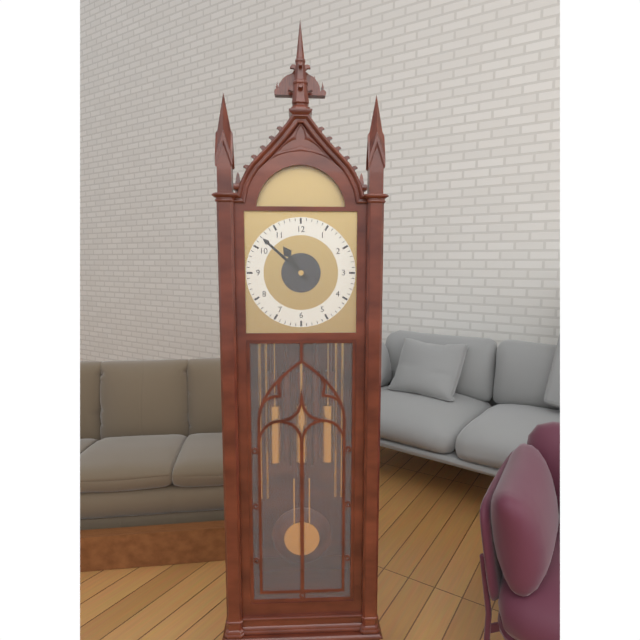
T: 10 h 52 min
